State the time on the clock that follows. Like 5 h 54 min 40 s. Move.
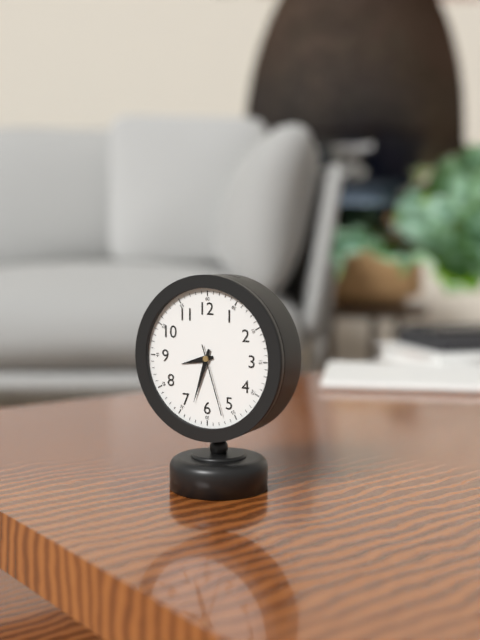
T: 8 h 33 min 27 s
